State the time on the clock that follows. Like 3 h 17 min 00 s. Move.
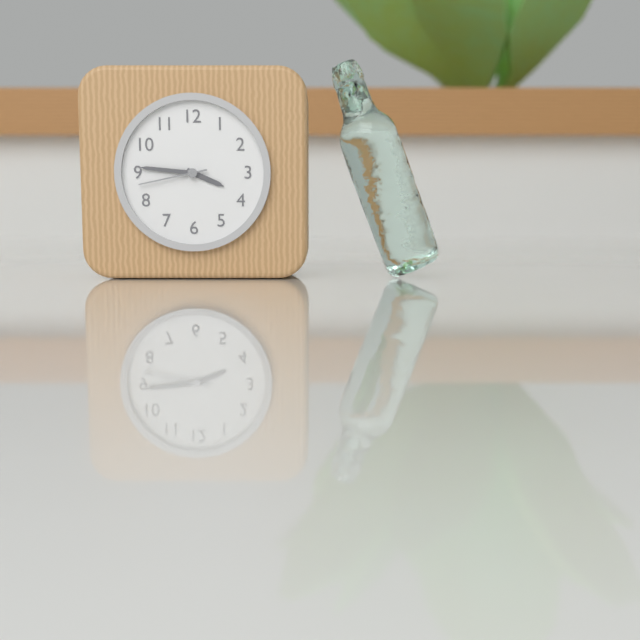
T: 3 h 46 min 43 s
